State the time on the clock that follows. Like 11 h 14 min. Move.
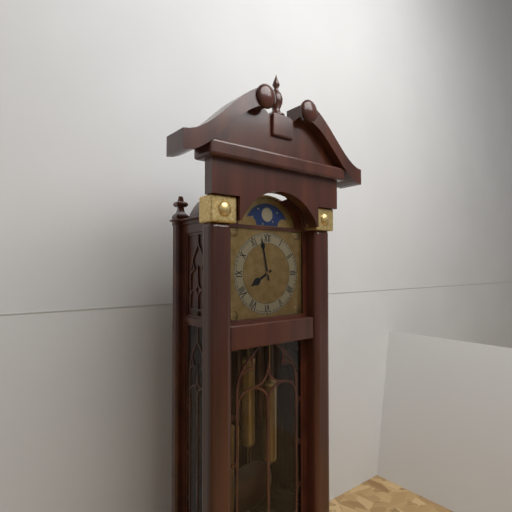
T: 7 h 58 min
